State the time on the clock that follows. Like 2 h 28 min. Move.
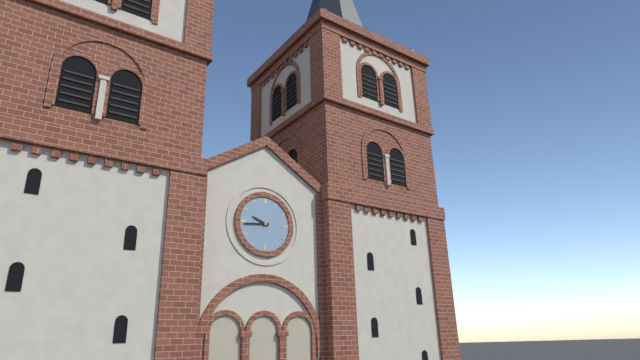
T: 9 h 44 min
